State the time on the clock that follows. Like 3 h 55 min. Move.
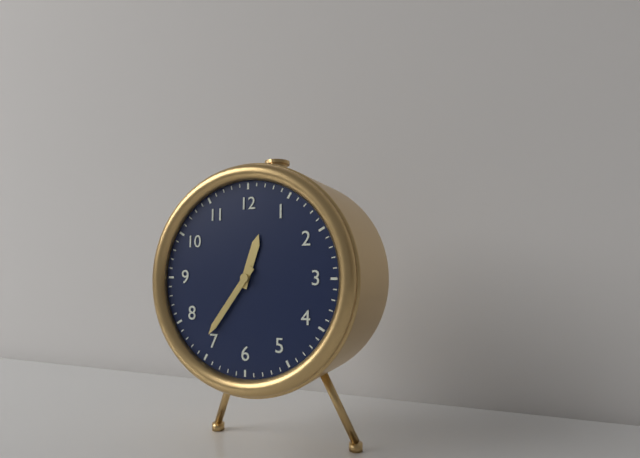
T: 12 h 36 min
